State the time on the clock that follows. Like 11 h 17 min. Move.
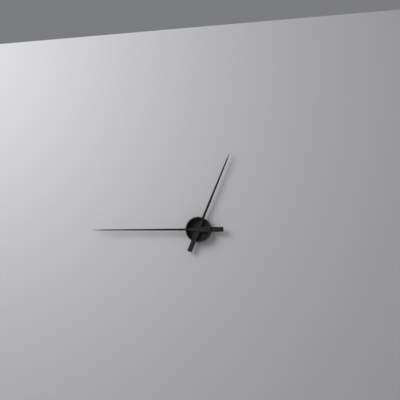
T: 12 h 45 min
